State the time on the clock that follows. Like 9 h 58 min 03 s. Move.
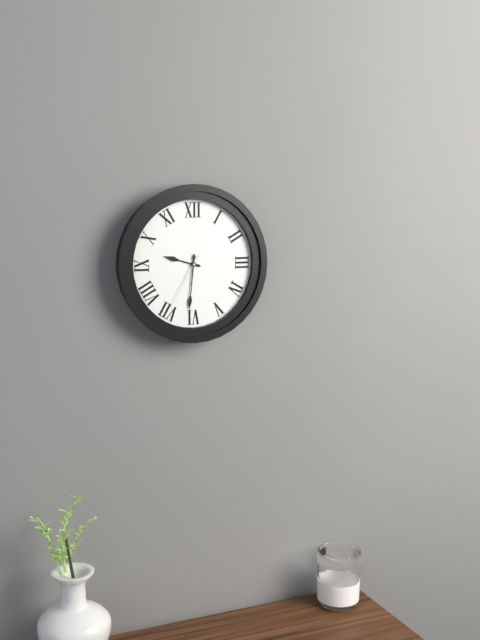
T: 9 h 31 min 35 s
